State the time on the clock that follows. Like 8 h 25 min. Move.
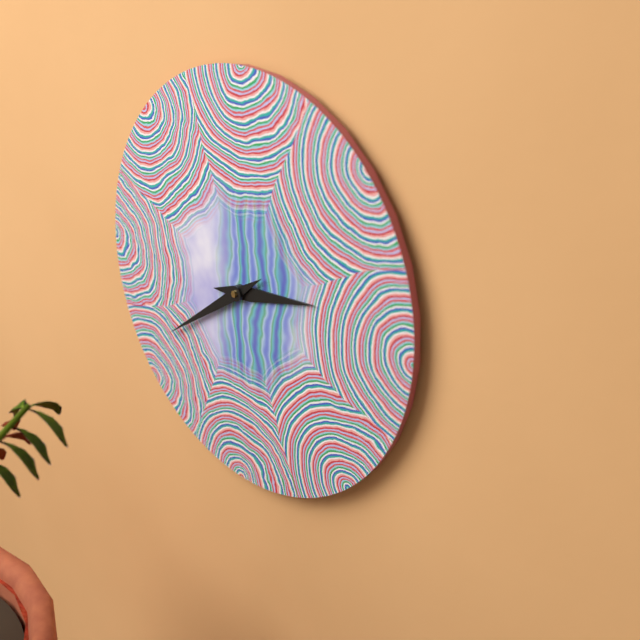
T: 2 h 39 min
